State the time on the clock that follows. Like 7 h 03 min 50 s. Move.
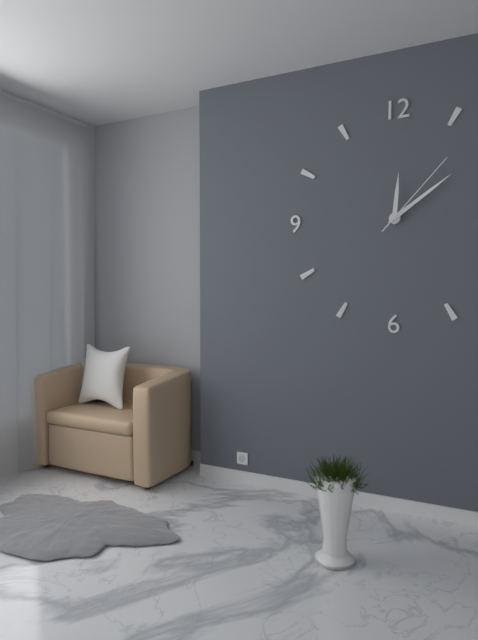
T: 12 h 09 min 07 s
